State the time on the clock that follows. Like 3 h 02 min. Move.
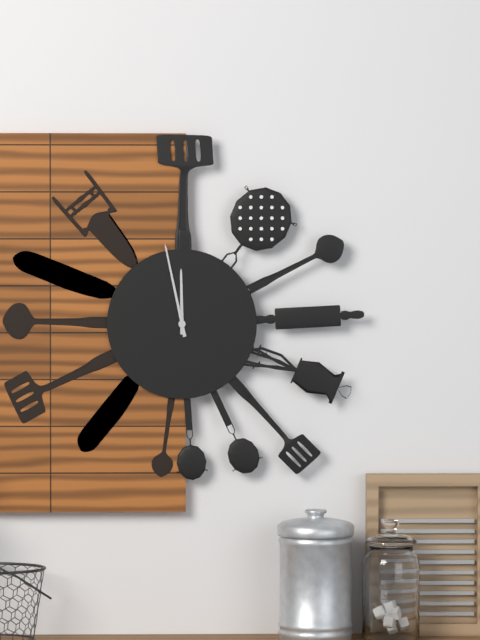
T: 11 h 58 min
